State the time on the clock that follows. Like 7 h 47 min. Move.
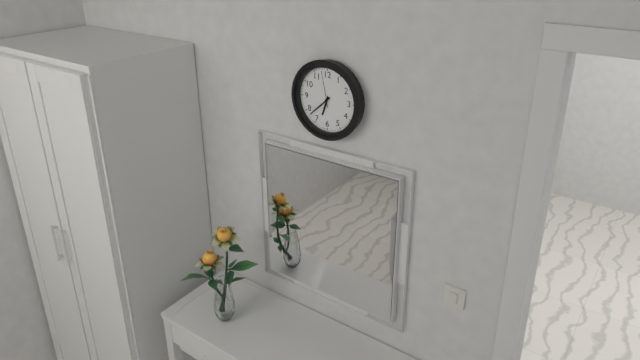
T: 6 h 38 min
